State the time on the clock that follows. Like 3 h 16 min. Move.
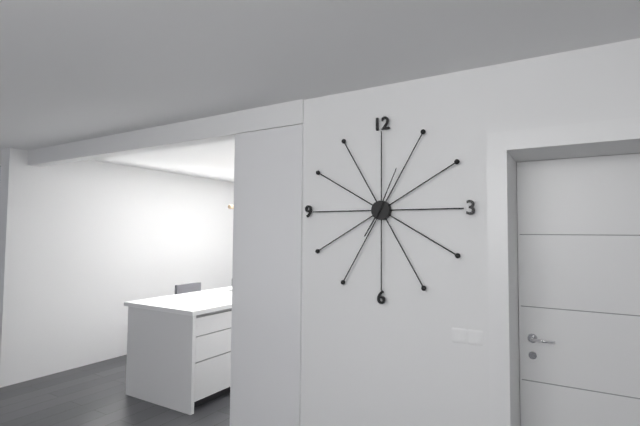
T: 7 h 04 min
